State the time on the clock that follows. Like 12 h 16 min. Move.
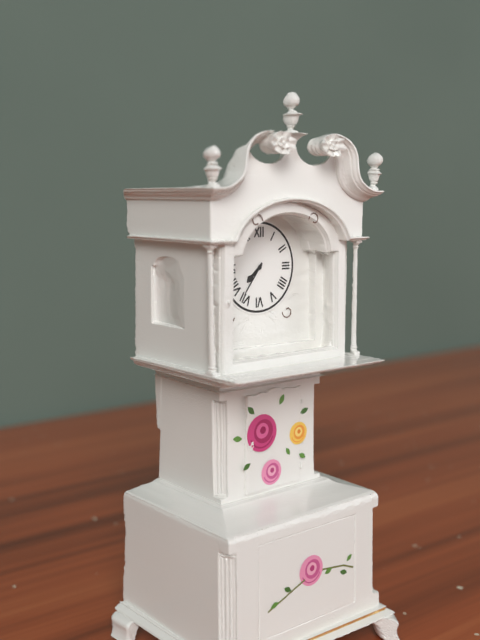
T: 7 h 36 min
